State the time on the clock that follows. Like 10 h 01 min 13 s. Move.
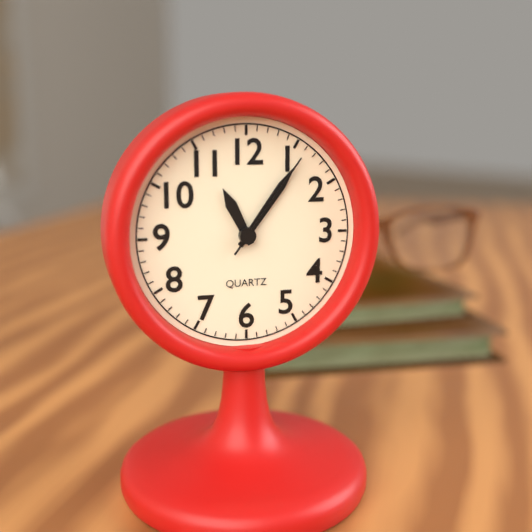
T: 11 h 06 min 06 s
